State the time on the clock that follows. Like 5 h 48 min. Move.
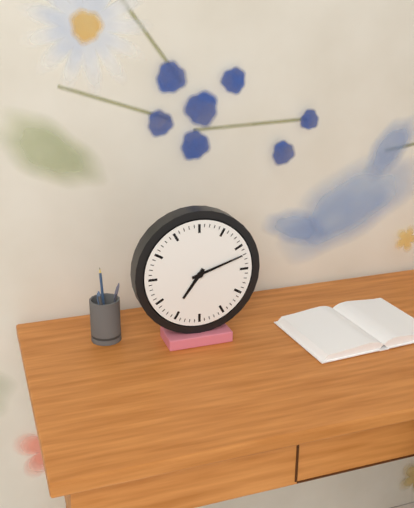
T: 7 h 12 min
